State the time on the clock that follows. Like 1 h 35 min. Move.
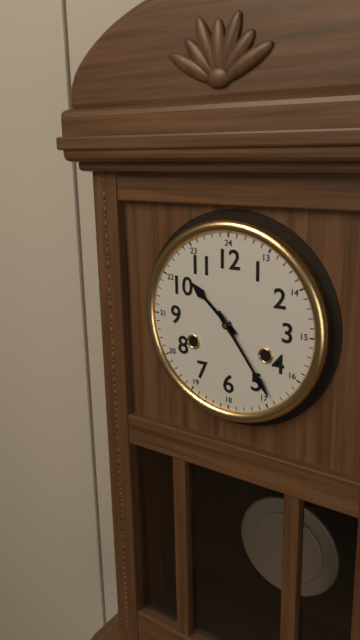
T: 10 h 24 min
